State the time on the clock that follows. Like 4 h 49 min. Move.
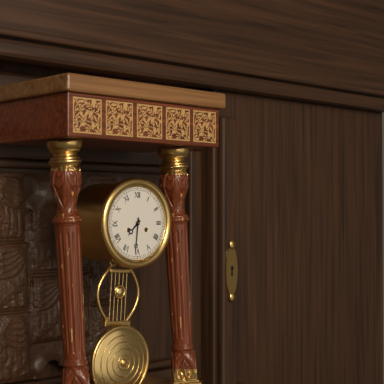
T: 7 h 31 min
